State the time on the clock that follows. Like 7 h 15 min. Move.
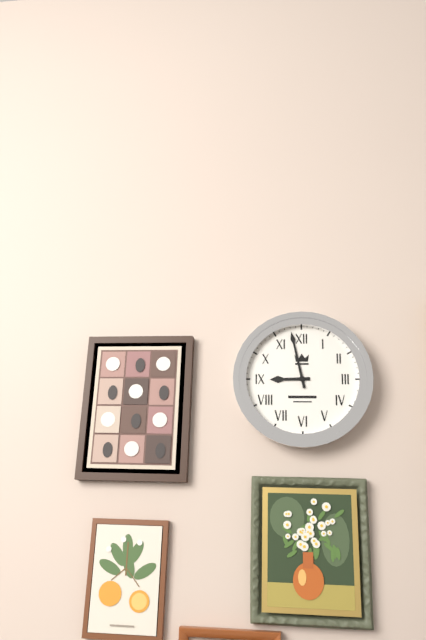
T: 8 h 58 min
